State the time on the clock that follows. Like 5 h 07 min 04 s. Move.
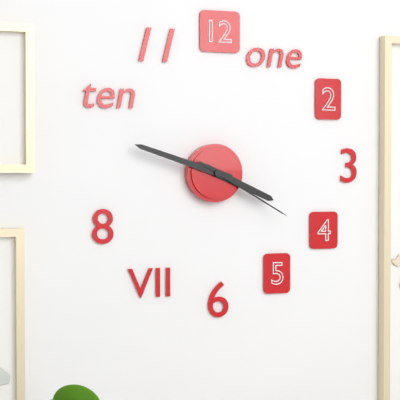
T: 3 h 48 min 20 s
